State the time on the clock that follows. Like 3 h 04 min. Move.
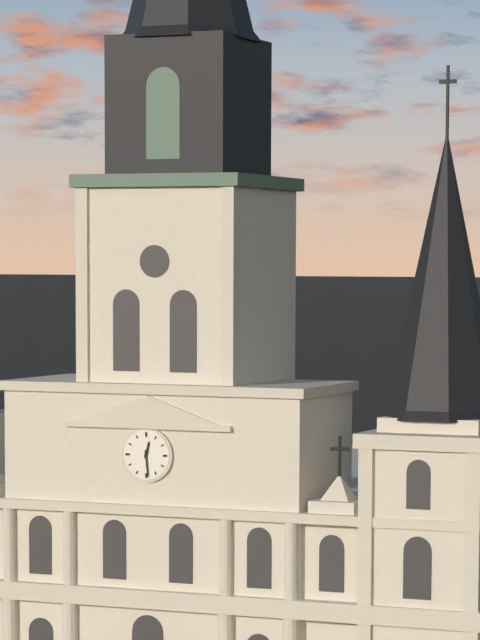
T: 12 h 29 min
